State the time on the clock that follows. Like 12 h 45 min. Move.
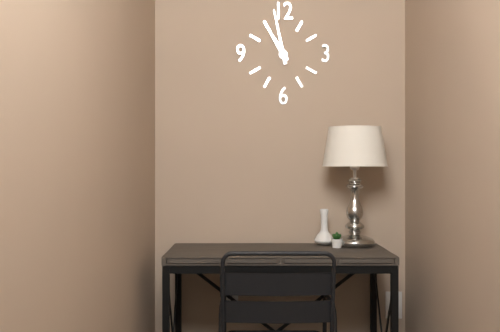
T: 10 h 58 min
